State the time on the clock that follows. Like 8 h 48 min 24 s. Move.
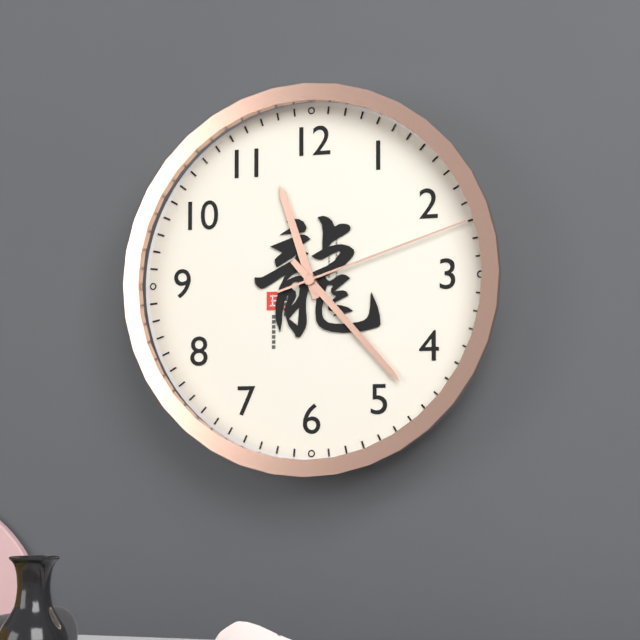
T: 11 h 23 min 12 s
